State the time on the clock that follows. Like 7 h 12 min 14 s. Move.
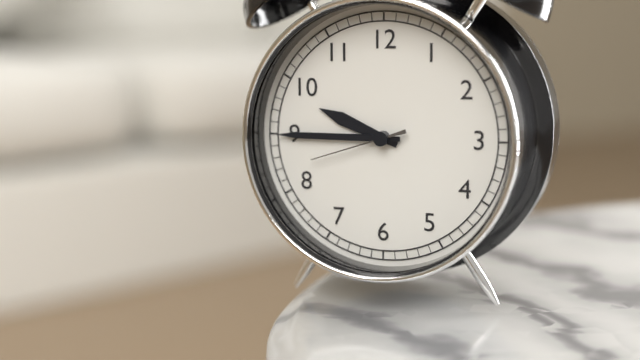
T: 9 h 45 min 42 s
